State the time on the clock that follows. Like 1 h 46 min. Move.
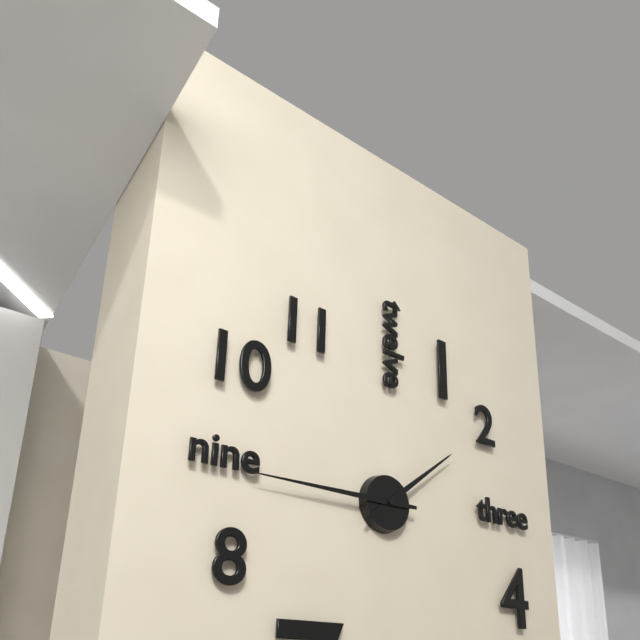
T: 1 h 45 min
